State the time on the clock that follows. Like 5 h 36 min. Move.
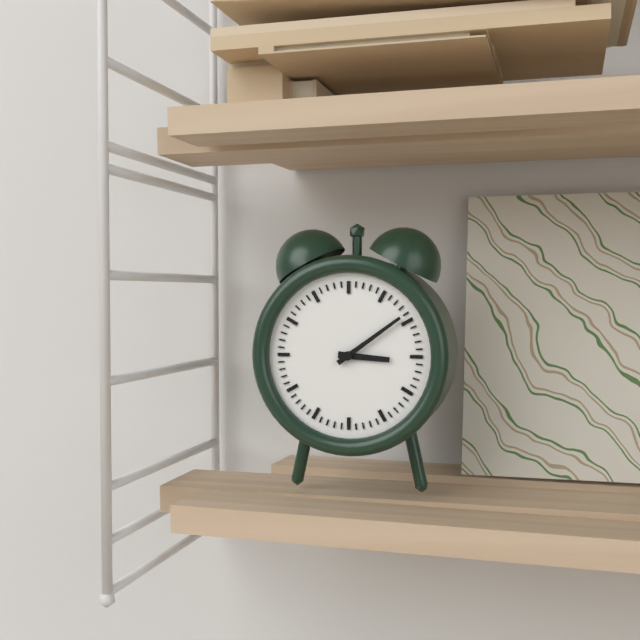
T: 3 h 09 min
